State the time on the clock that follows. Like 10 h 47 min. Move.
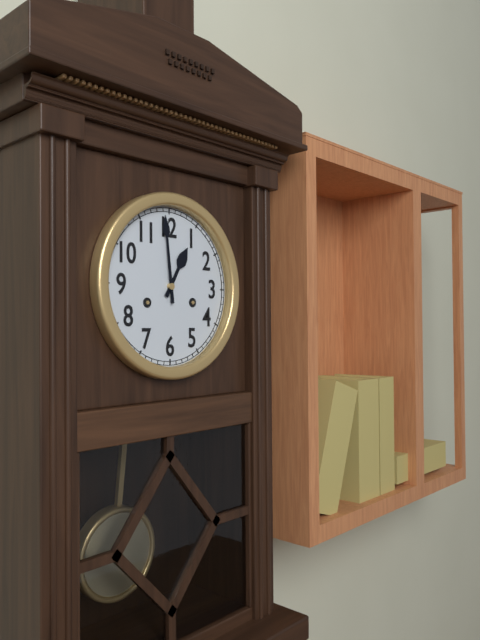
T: 12 h 59 min
